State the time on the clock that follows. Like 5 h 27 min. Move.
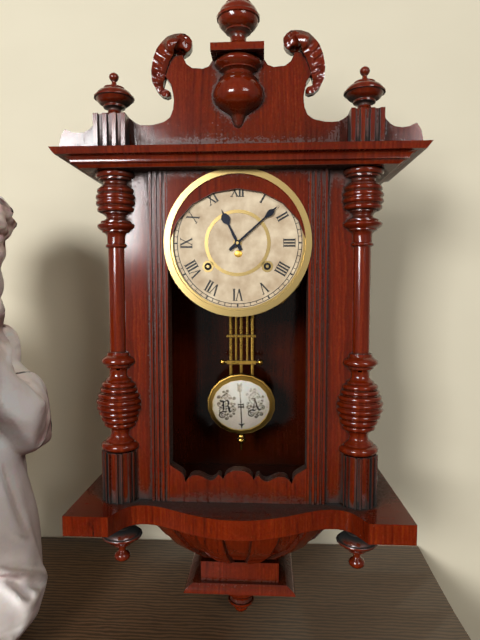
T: 11 h 08 min
